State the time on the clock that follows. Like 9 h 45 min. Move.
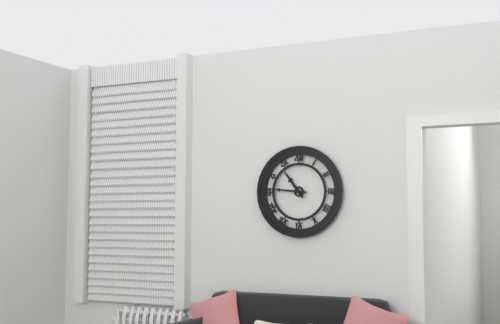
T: 10 h 46 min
